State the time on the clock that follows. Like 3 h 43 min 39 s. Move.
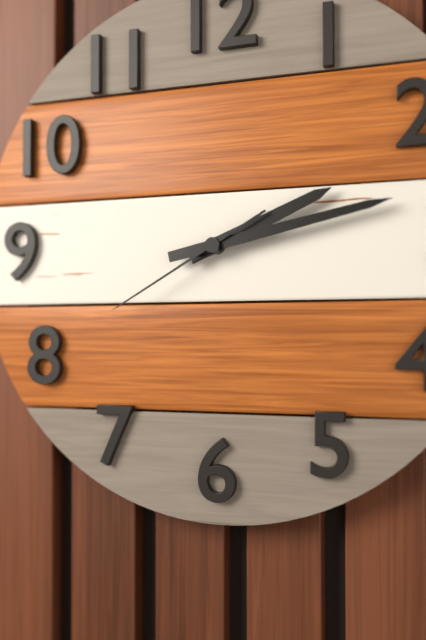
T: 2 h 13 min 40 s
